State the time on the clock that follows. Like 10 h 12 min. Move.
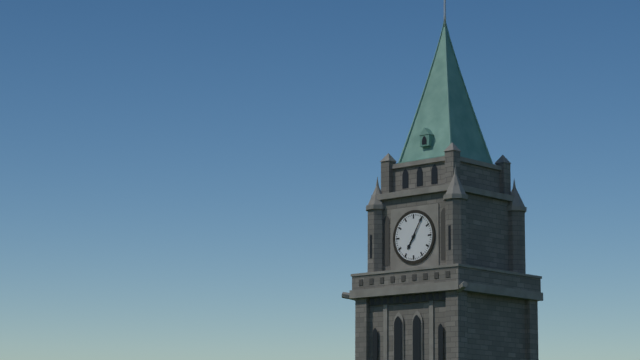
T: 7 h 05 min
